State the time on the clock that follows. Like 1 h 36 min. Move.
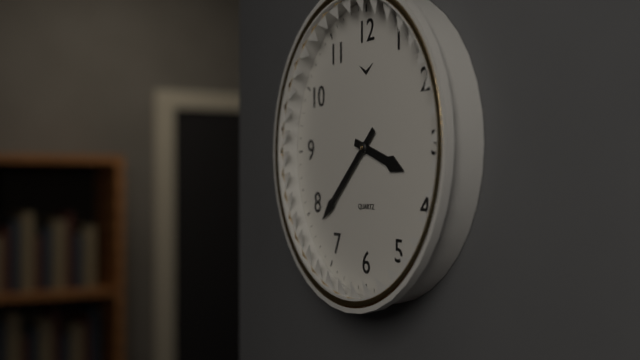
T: 3 h 38 min
